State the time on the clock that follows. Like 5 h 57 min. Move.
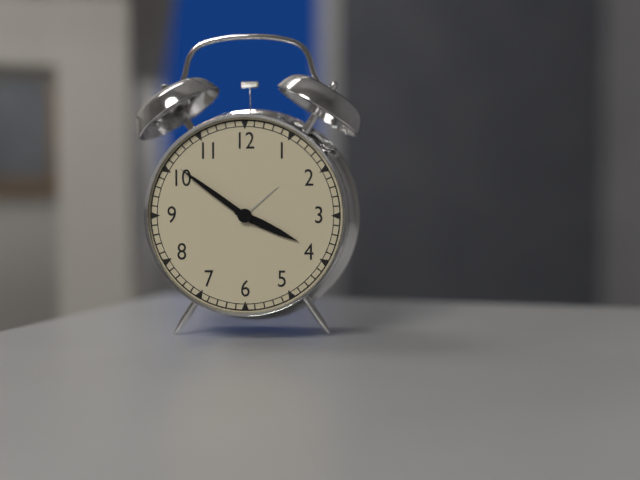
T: 3 h 51 min
